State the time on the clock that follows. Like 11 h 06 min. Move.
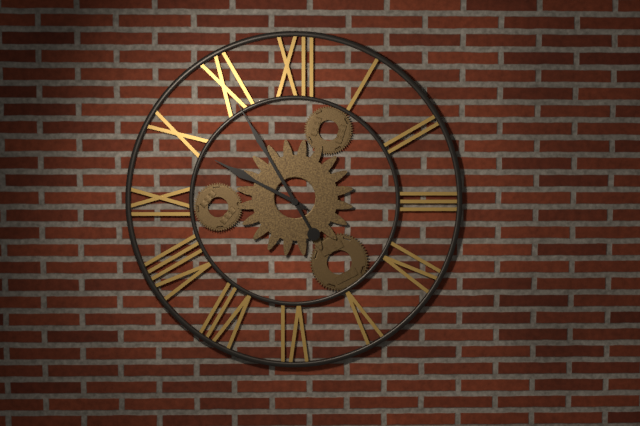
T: 9 h 55 min
